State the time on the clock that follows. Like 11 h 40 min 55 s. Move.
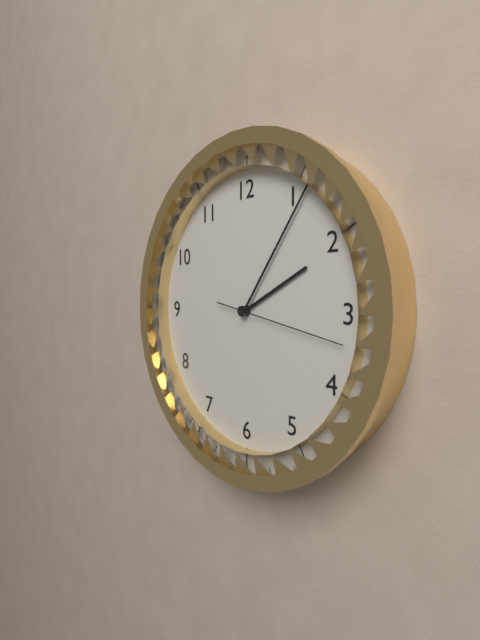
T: 2 h 06 min 17 s
